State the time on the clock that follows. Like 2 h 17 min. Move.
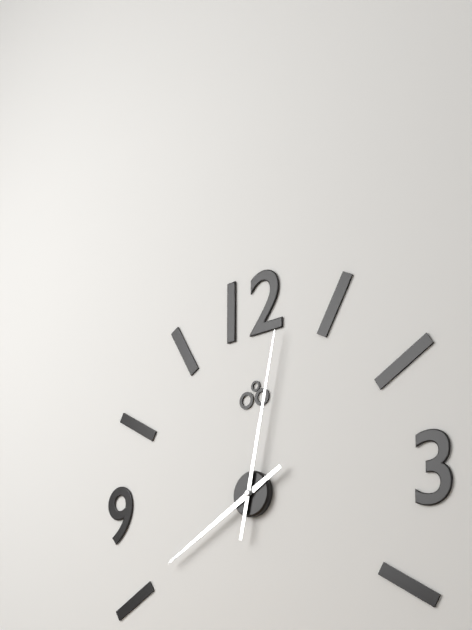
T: 8 h 02 min
